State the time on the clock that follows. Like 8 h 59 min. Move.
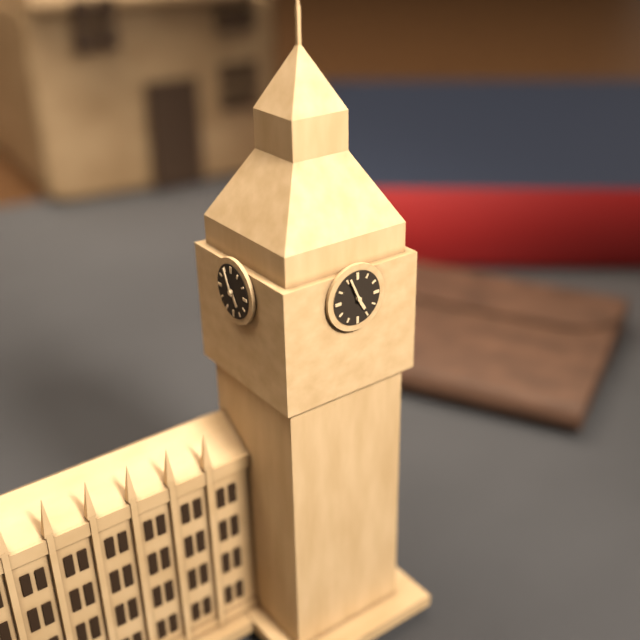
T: 4 h 56 min
